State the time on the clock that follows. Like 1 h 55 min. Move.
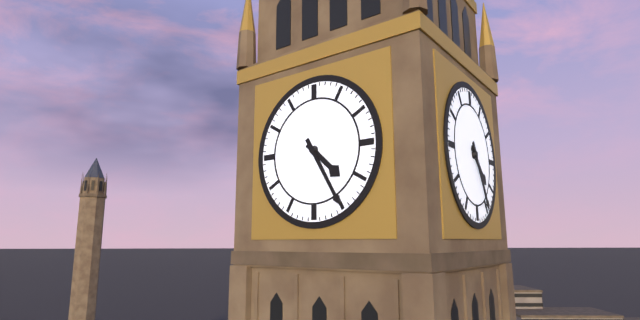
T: 4 h 25 min
